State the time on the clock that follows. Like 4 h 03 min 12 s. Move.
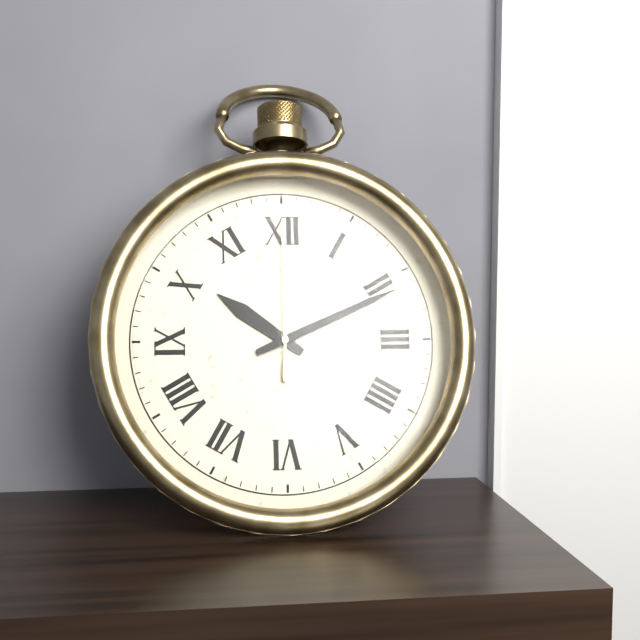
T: 10 h 11 min 00 s
